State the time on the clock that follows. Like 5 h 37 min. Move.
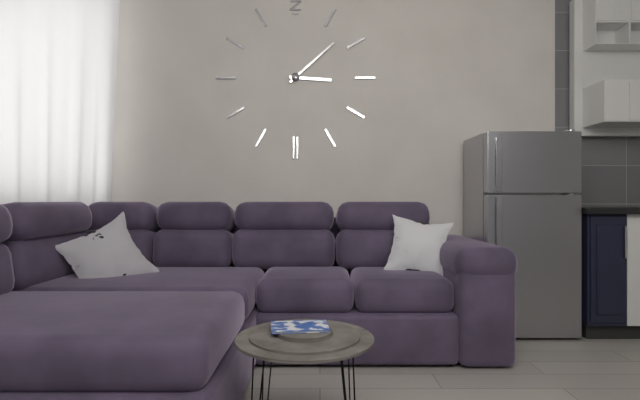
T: 3 h 08 min
